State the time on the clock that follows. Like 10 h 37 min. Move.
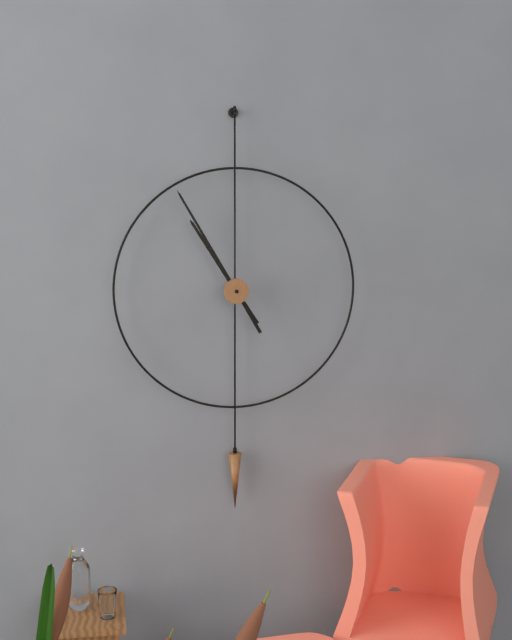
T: 10 h 55 min
